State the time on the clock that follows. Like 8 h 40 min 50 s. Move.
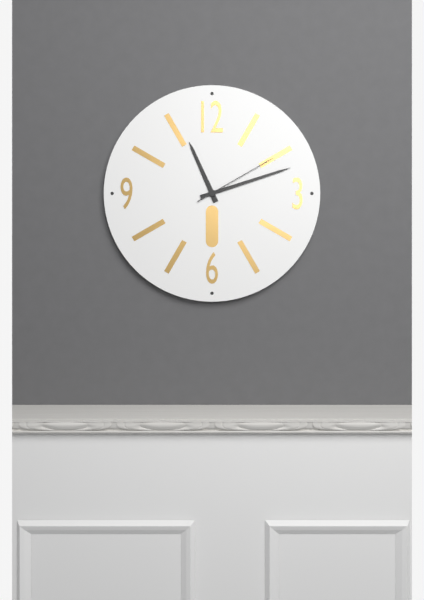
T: 11 h 12 min 10 s
